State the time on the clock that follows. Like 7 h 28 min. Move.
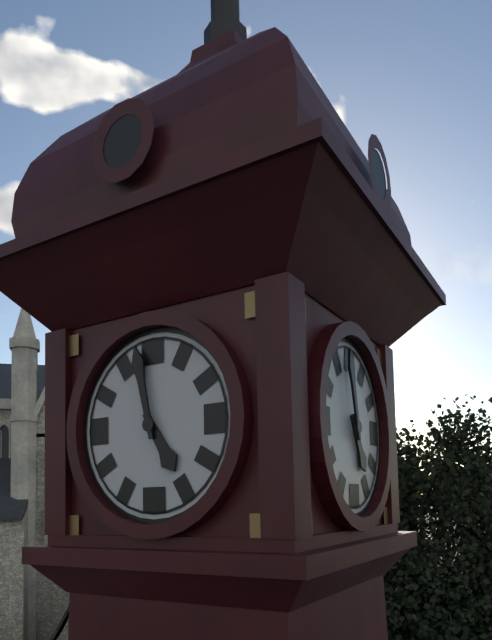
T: 4 h 58 min
